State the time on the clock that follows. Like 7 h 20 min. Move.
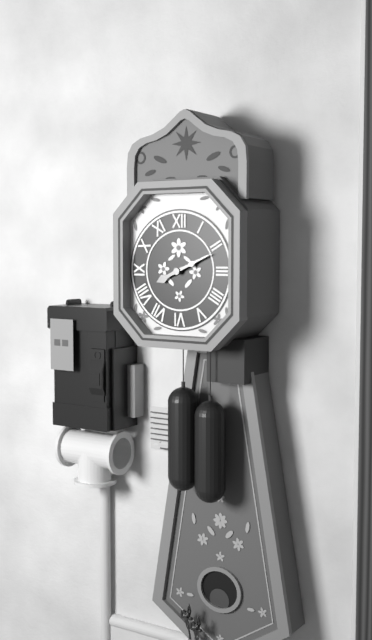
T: 8 h 11 min
